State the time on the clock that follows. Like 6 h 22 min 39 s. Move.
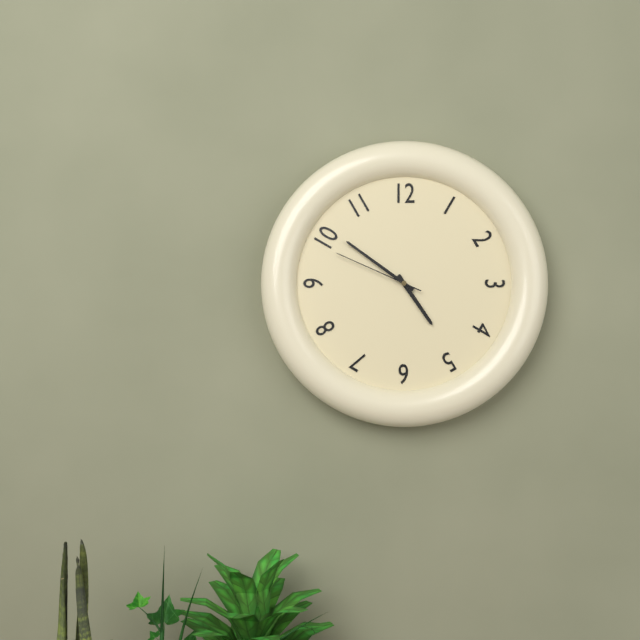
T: 4 h 51 min 49 s
